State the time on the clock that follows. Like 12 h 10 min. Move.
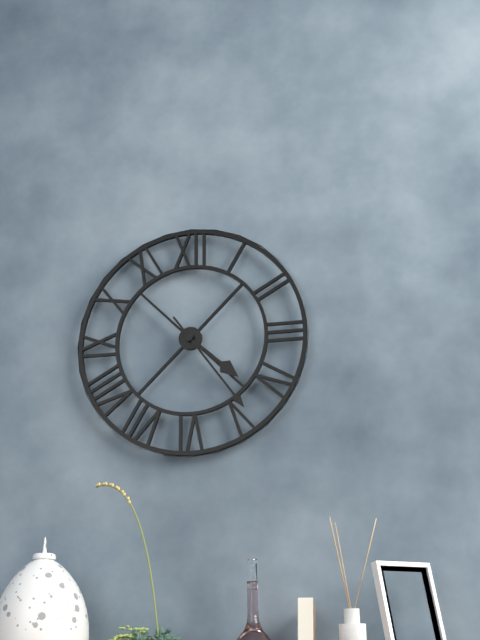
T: 4 h 24 min
